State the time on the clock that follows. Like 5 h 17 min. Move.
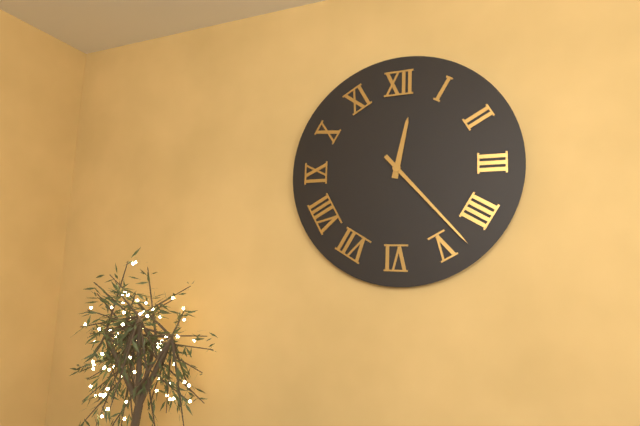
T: 12 h 23 min
